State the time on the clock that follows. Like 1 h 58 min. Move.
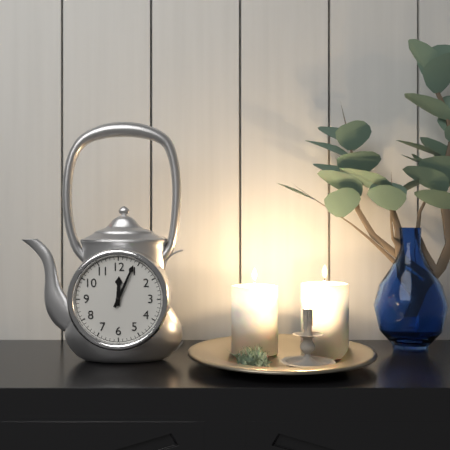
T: 12 h 04 min
